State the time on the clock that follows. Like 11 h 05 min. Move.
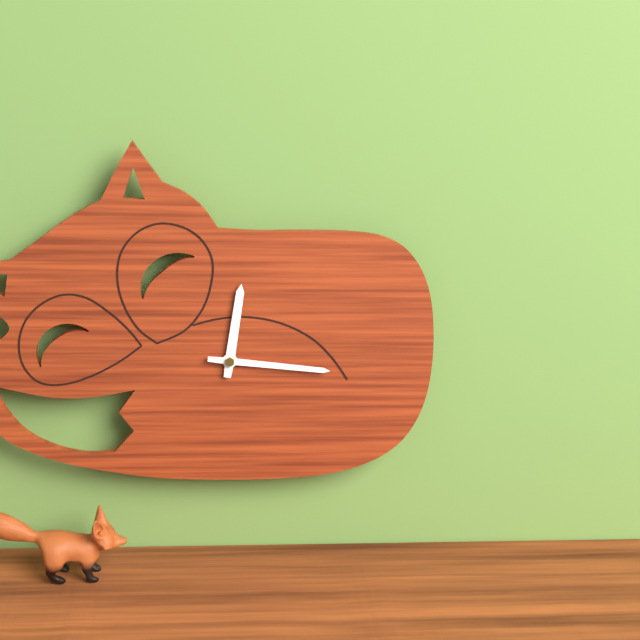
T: 12 h 16 min
